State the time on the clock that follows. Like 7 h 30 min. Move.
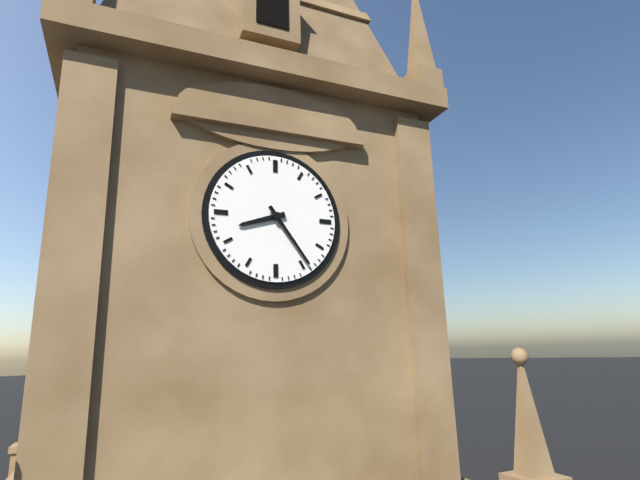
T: 8 h 24 min
